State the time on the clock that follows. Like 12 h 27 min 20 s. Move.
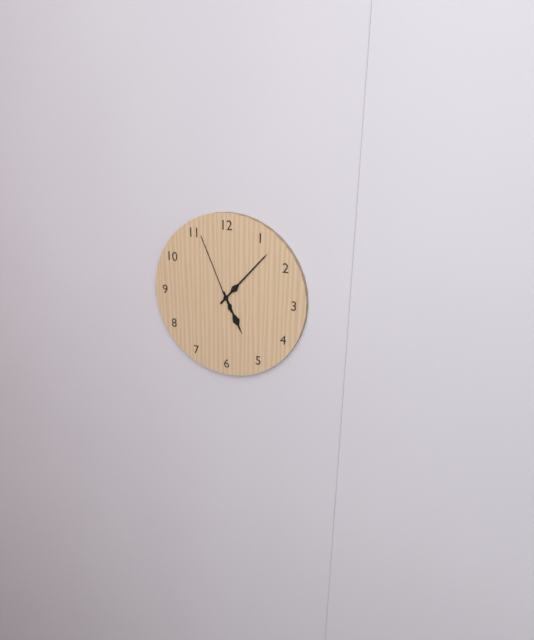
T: 5 h 07 min 56 s
